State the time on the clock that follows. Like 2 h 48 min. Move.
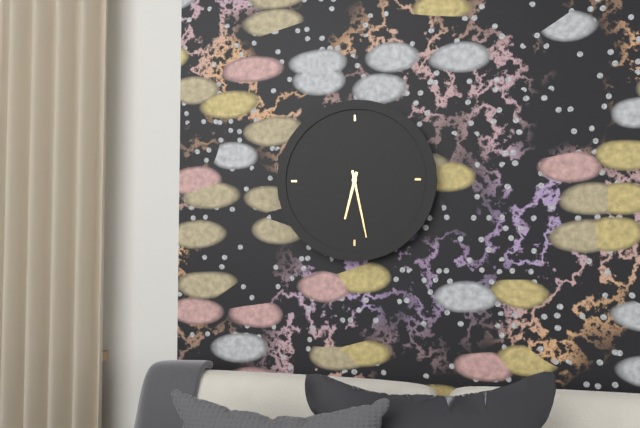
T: 6 h 28 min
